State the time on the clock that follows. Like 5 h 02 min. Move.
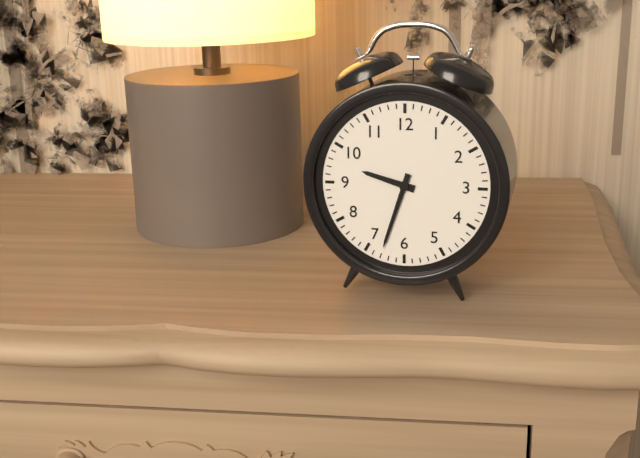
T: 9 h 33 min
